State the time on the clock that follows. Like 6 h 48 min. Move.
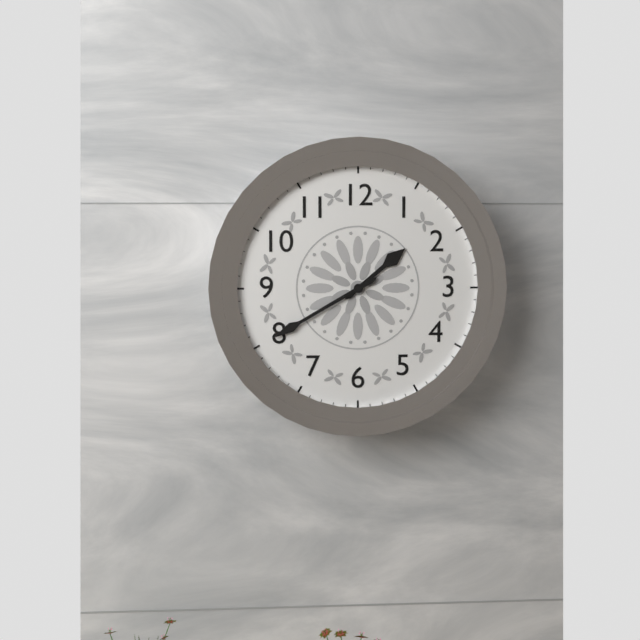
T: 1 h 40 min
